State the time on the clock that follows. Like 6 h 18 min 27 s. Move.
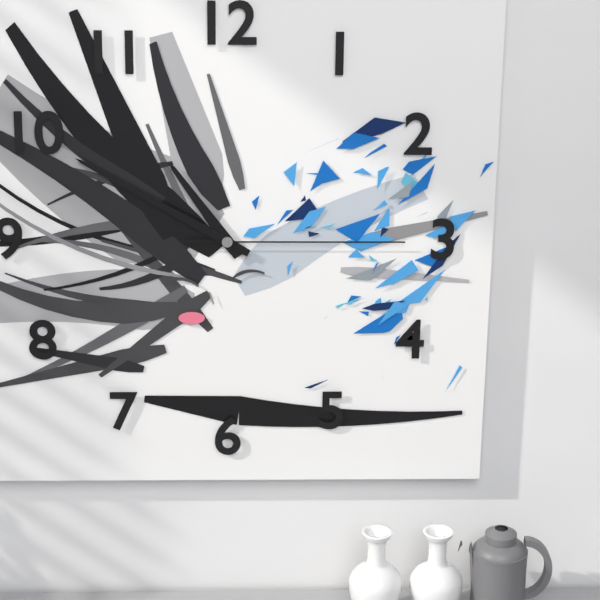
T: 10 h 50 min 15 s
